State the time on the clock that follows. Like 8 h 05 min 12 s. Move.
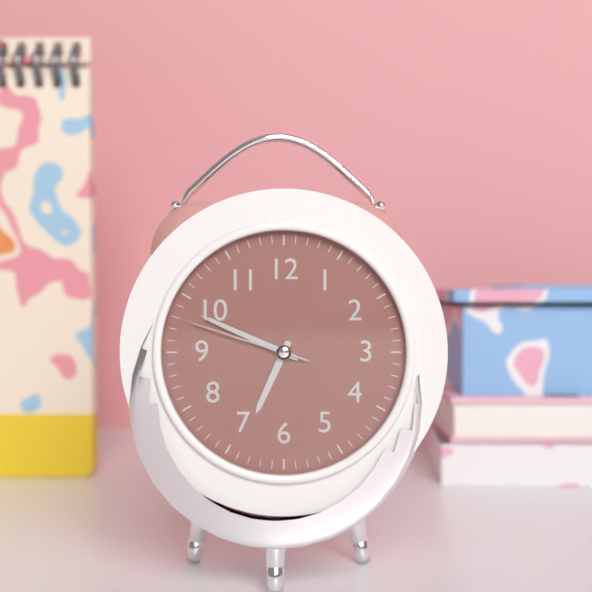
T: 6 h 49 min 48 s
